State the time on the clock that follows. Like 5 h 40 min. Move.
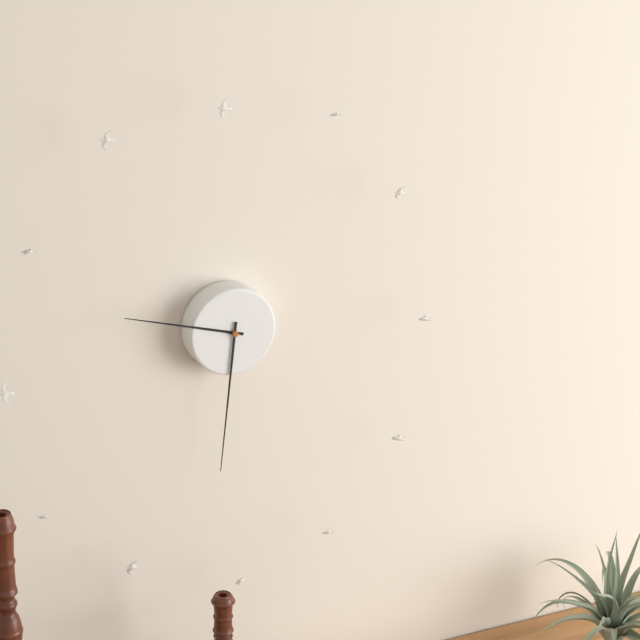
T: 9 h 31 min
